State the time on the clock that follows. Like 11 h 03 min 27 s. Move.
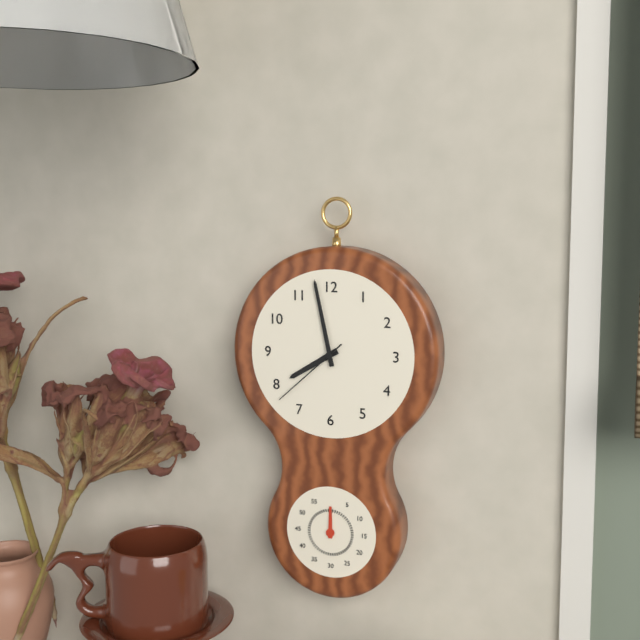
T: 7 h 58 min 38 s
